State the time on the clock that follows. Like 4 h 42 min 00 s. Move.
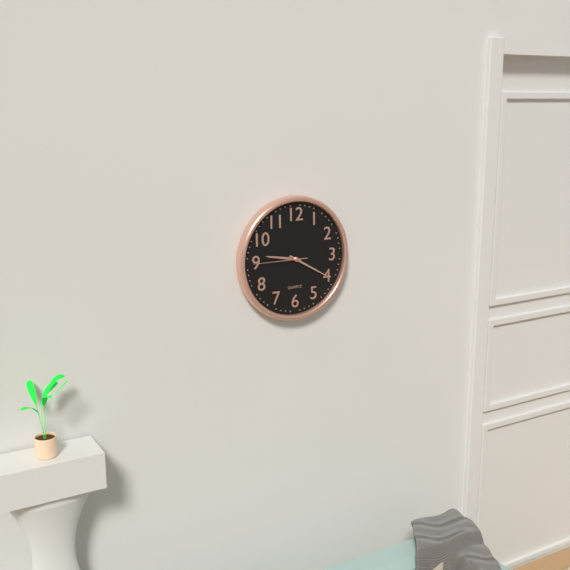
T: 9 h 20 min 45 s
